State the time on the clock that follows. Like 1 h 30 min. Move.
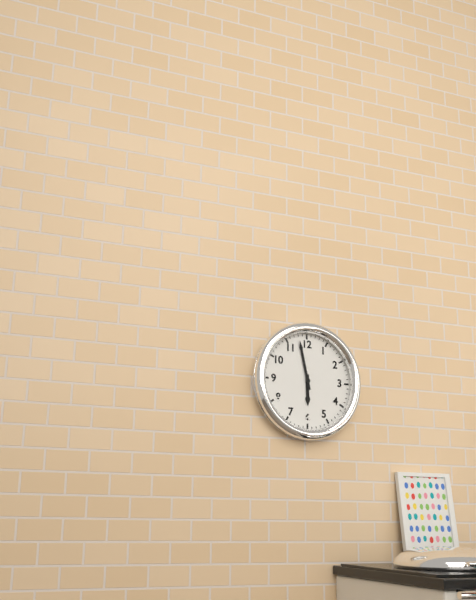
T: 5 h 58 min
